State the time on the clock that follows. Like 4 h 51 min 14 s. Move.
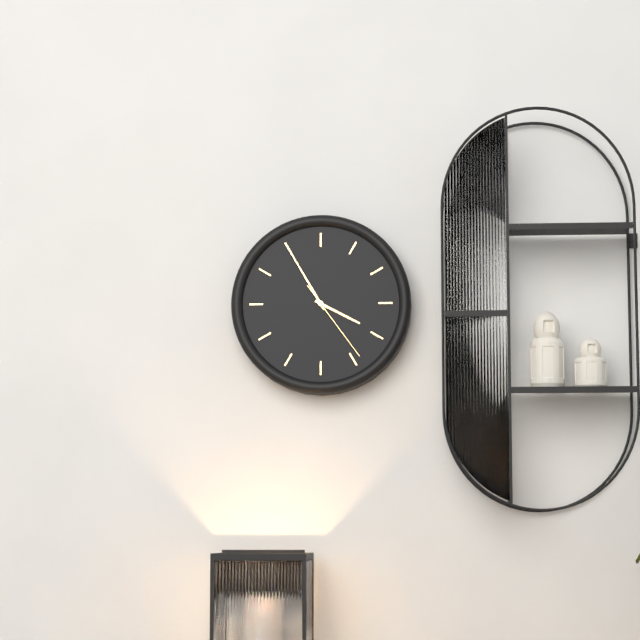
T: 3 h 55 min 24 s
